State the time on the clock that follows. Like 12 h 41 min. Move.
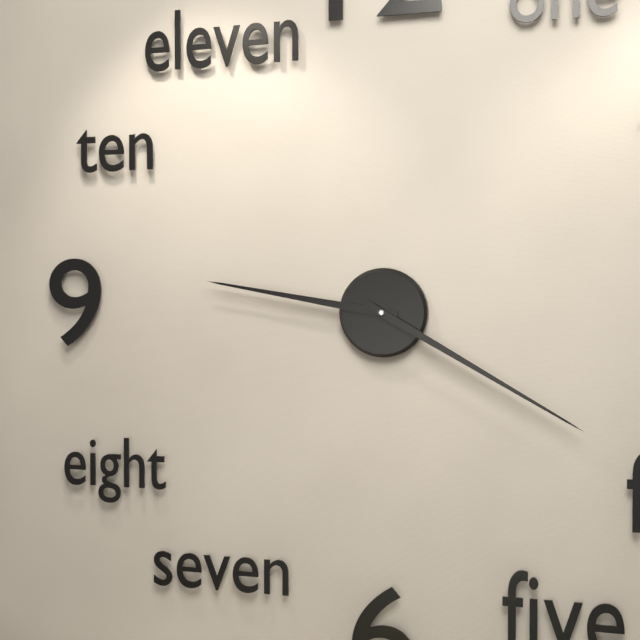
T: 9 h 20 min
